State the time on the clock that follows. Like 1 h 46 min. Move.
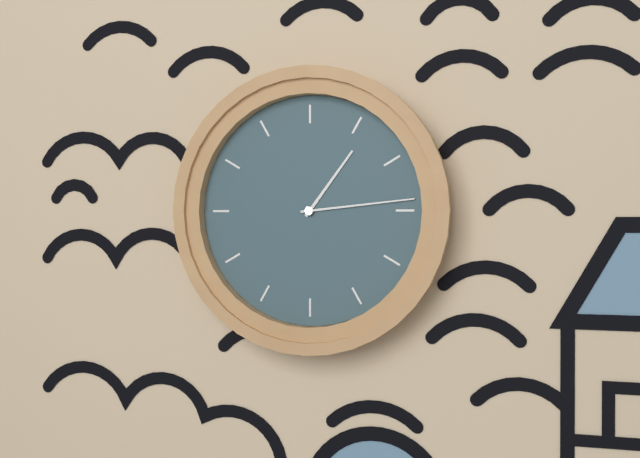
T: 1 h 14 min
